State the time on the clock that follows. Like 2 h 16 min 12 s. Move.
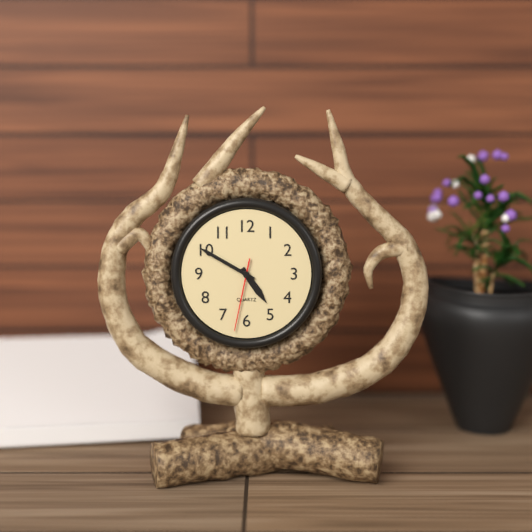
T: 4 h 50 min 32 s
